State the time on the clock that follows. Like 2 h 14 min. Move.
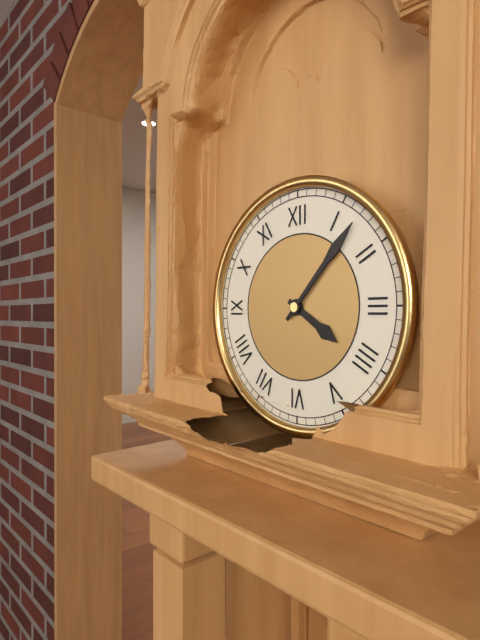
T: 4 h 07 min
